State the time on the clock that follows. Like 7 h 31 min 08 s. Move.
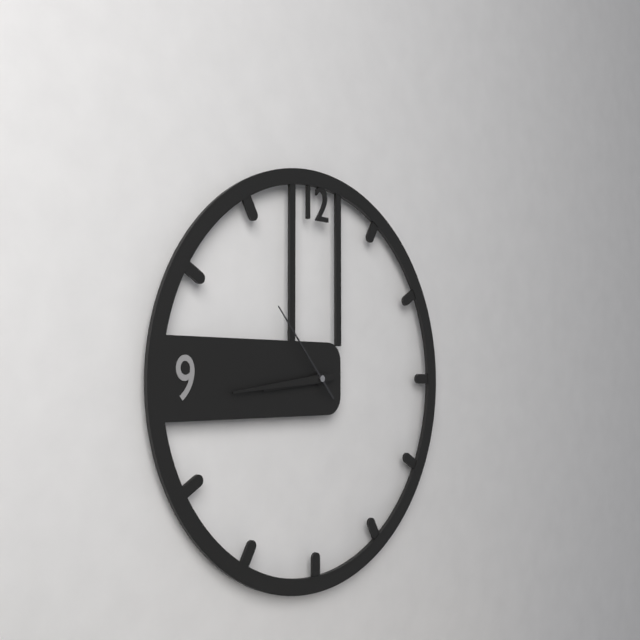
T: 8 h 44 min 53 s
